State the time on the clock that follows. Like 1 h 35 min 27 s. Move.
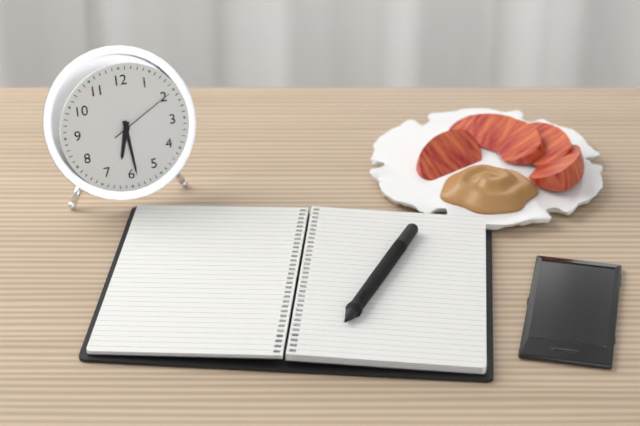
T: 6 h 29 min 10 s
